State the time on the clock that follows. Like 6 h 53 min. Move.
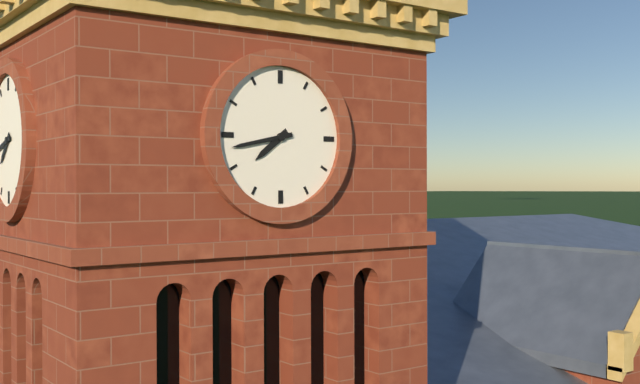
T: 7 h 43 min
